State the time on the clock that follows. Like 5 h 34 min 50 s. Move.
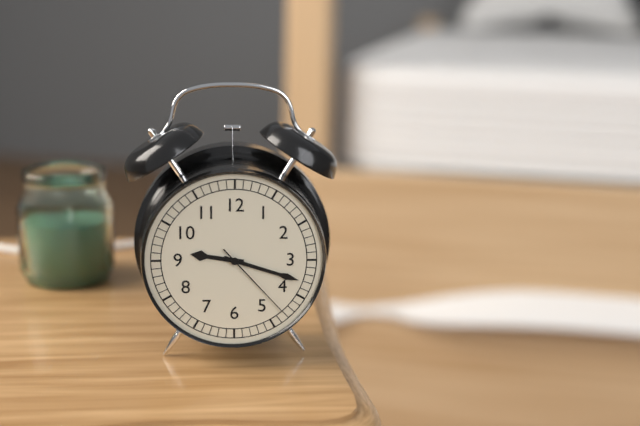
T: 9 h 18 min 23 s
